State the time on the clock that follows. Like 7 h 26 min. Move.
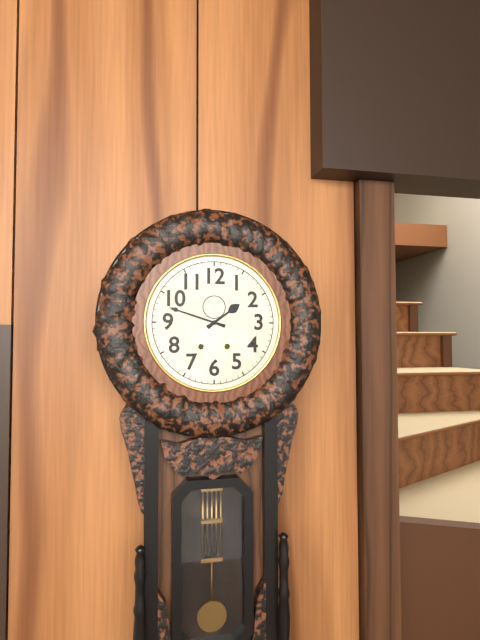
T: 1 h 48 min
